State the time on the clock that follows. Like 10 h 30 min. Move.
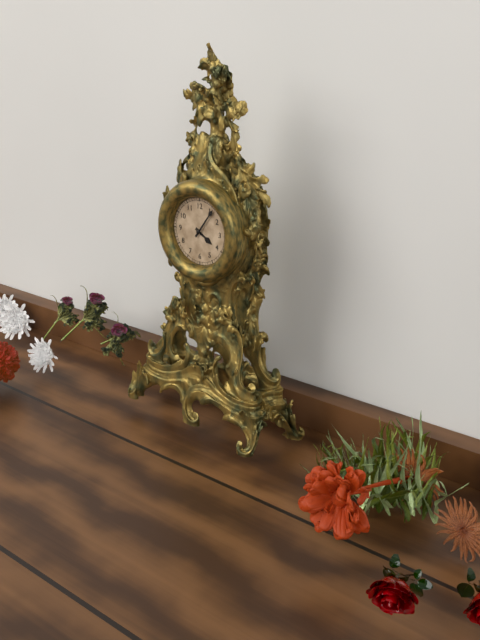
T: 4 h 06 min
